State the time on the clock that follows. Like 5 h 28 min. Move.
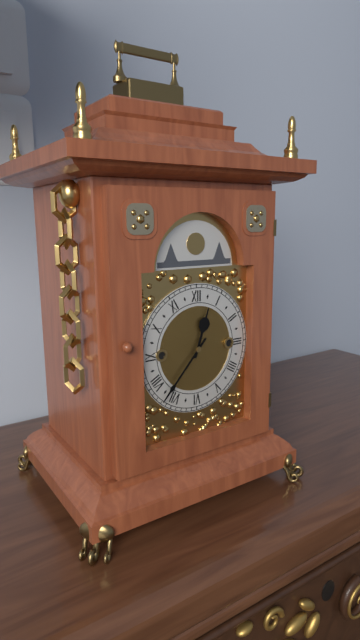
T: 12 h 37 min
